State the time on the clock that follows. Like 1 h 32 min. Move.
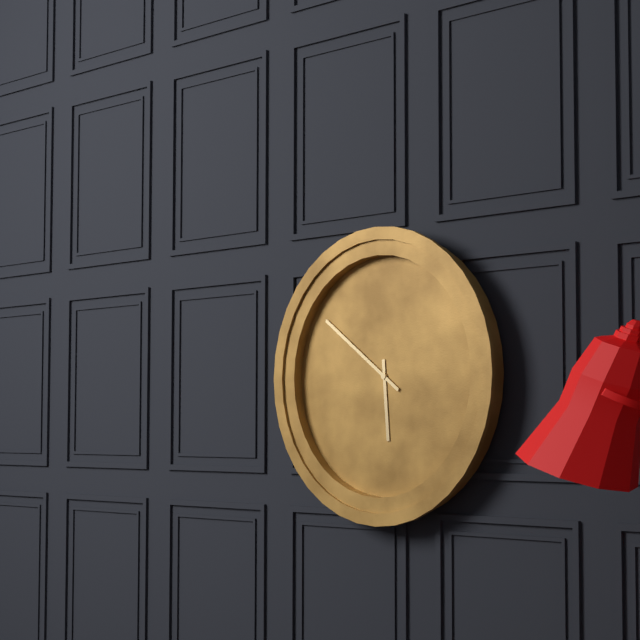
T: 5 h 51 min
